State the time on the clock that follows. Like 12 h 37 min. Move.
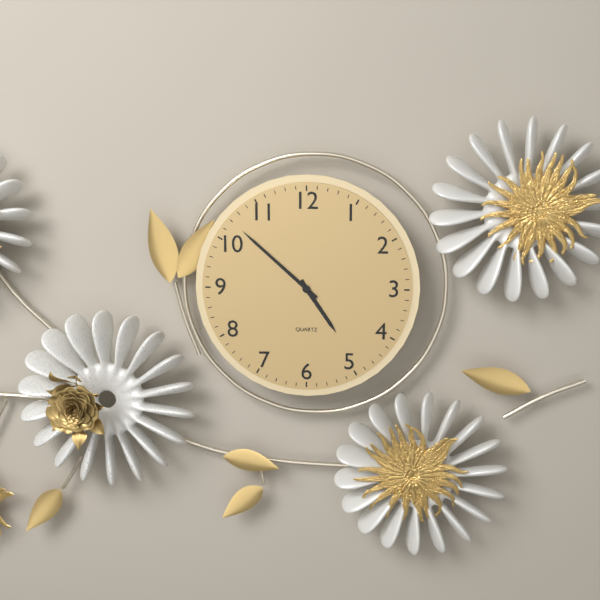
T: 4 h 52 min
